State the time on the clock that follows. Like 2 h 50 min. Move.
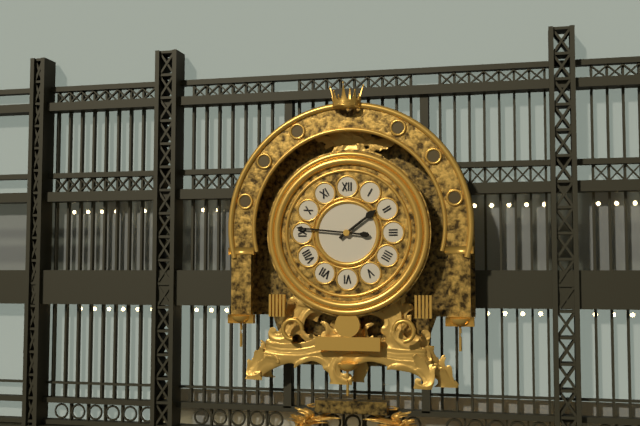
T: 1 h 46 min
